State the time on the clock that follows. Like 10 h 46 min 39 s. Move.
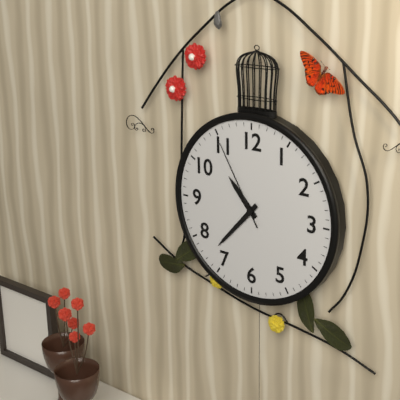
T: 10 h 37 min 55 s
